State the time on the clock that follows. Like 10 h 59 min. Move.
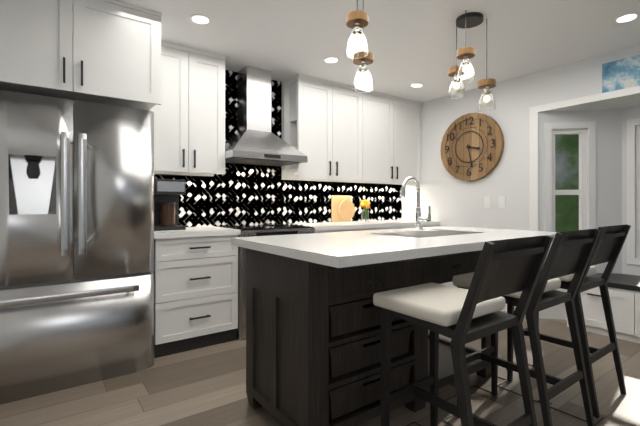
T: 3 h 28 min
